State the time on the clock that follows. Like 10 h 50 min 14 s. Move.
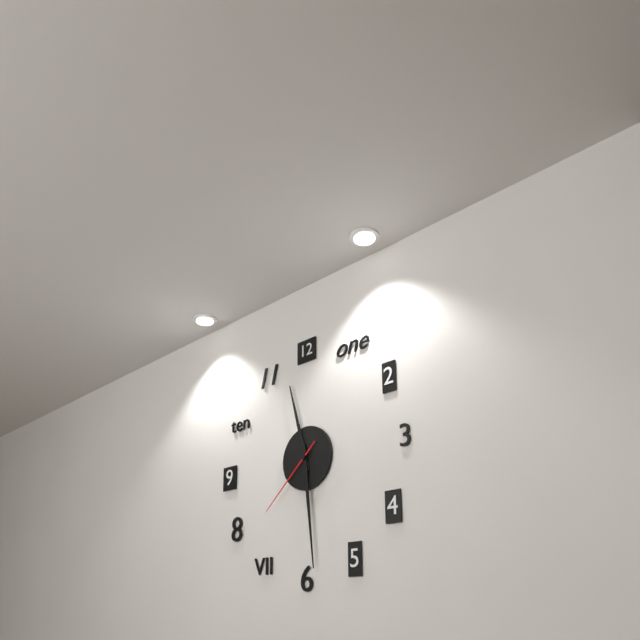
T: 11 h 29 min 38 s
